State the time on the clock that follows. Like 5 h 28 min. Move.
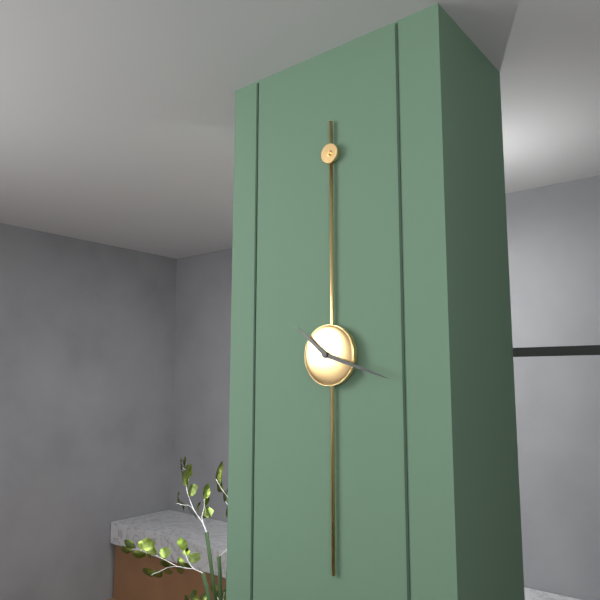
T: 10 h 18 min
